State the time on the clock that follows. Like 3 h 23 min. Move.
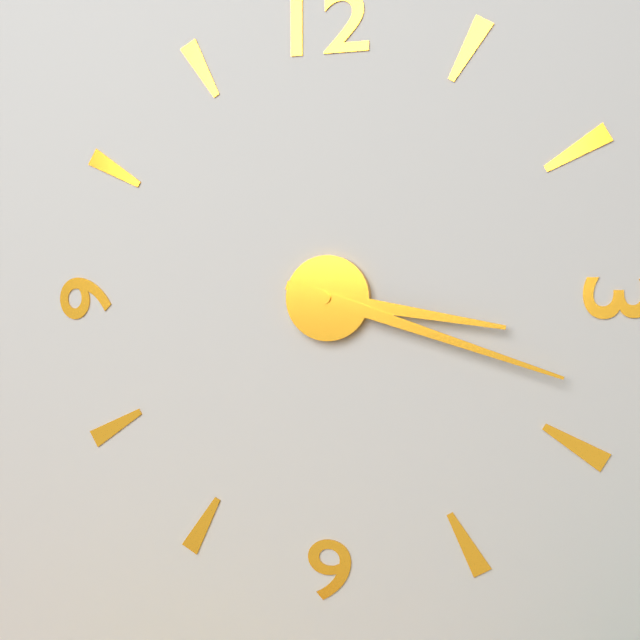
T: 3 h 18 min
